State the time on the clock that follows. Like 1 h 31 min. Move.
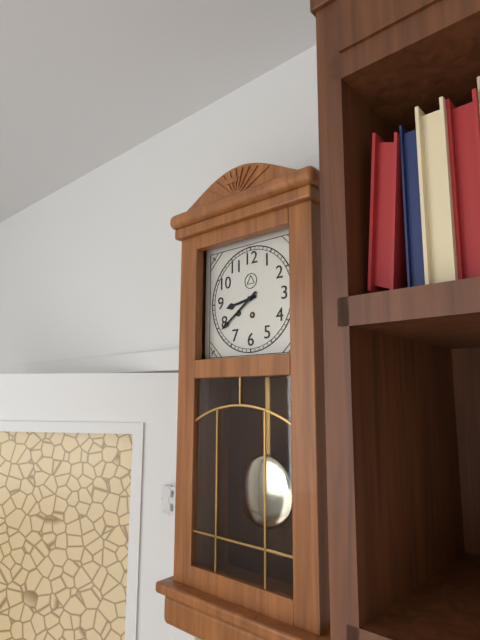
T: 8 h 39 min
